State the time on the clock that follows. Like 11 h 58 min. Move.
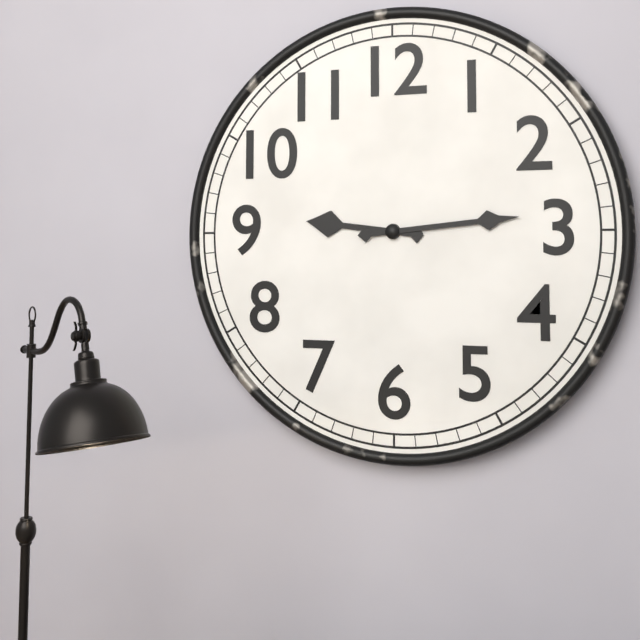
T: 9 h 14 min
